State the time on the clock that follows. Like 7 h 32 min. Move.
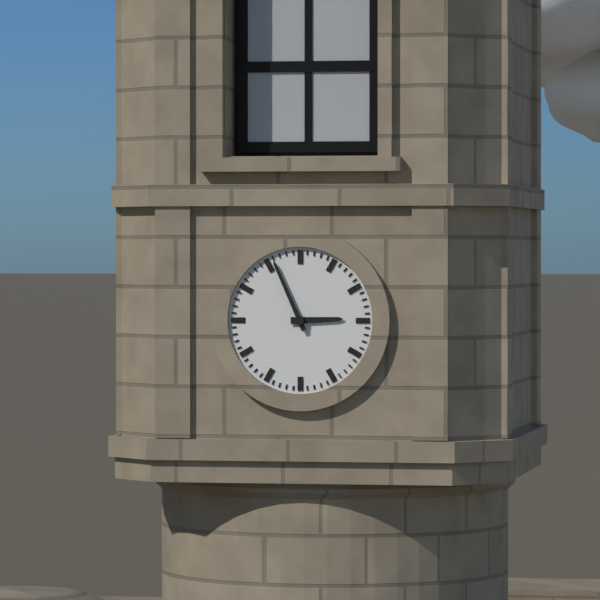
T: 2 h 56 min
